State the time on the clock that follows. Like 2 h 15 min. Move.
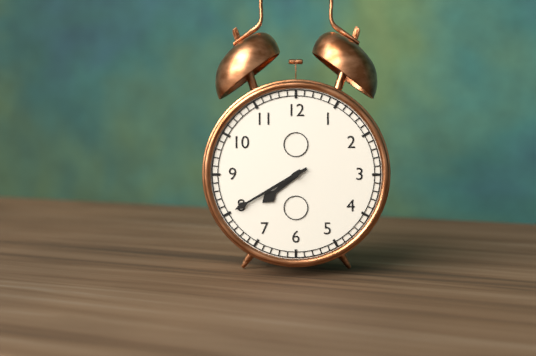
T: 7 h 40 min
